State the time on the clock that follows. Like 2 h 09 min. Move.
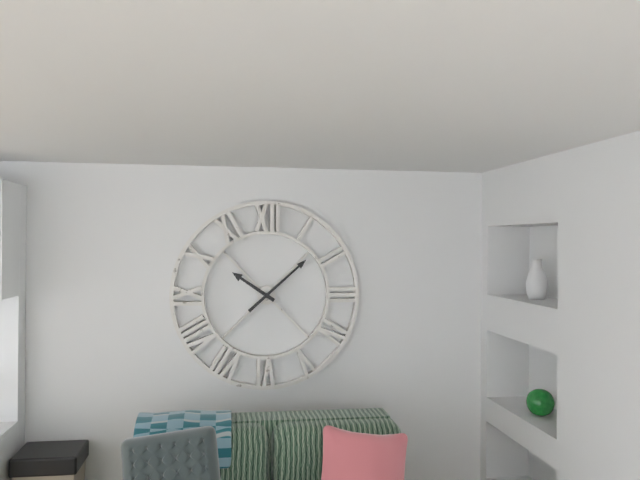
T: 10 h 08 min
